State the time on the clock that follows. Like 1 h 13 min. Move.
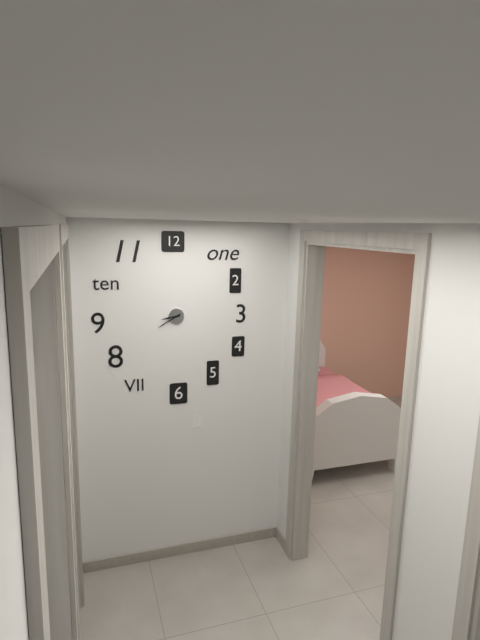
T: 8 h 40 min
